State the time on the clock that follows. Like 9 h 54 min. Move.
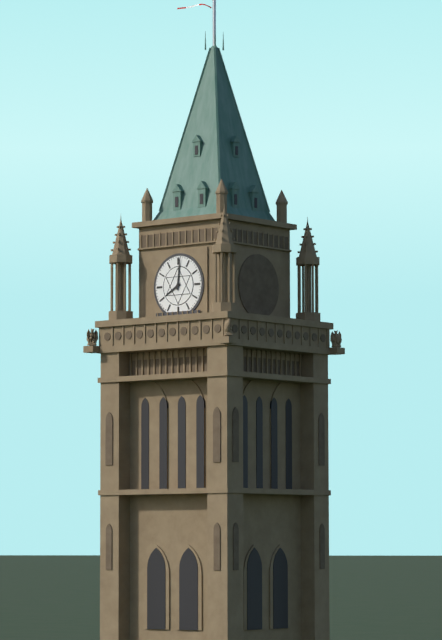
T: 8 h 01 min
